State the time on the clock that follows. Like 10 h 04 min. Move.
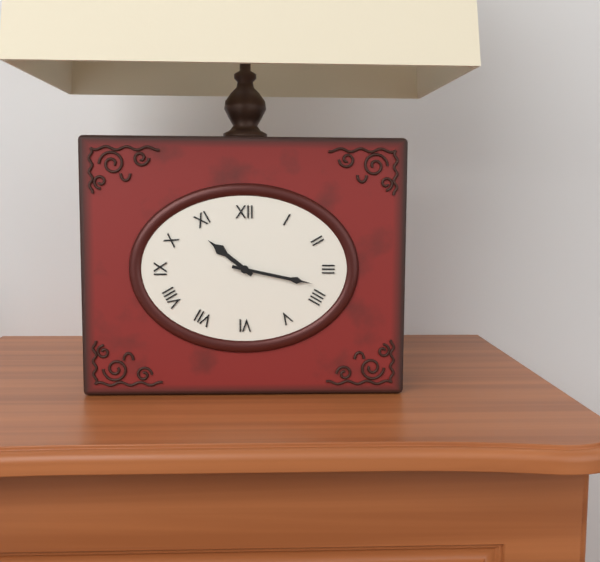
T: 10 h 17 min
